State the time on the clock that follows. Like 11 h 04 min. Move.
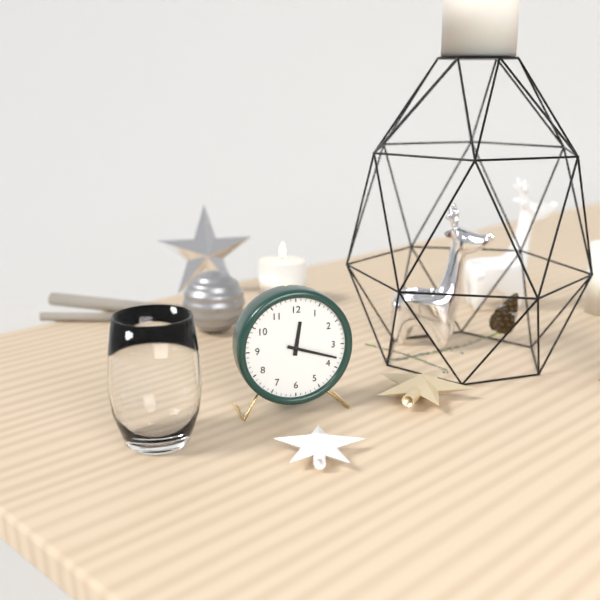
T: 12 h 18 min
